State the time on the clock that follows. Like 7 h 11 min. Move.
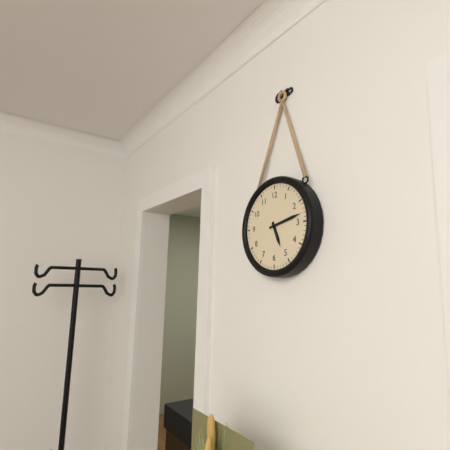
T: 5 h 13 min
